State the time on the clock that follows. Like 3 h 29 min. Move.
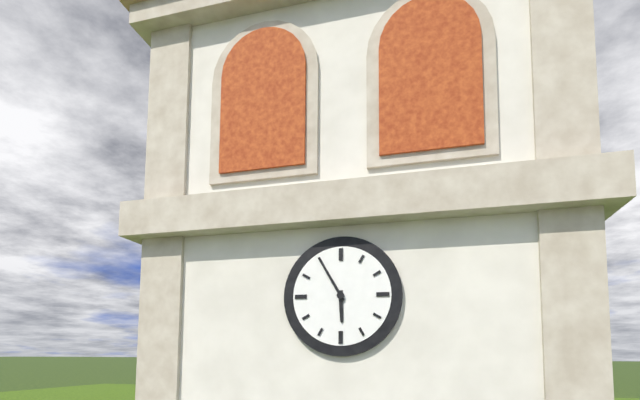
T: 5 h 55 min
